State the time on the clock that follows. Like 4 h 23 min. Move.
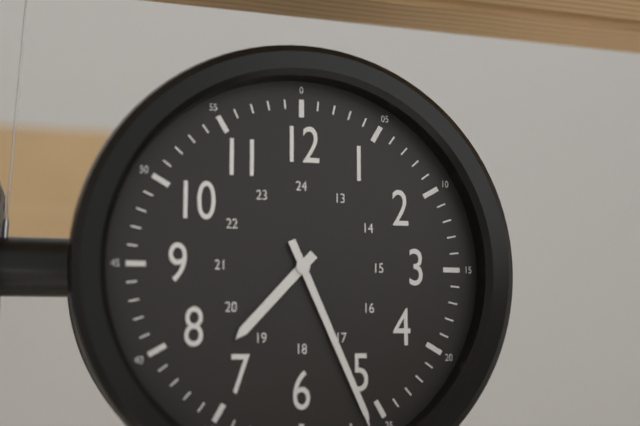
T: 7 h 26 min
